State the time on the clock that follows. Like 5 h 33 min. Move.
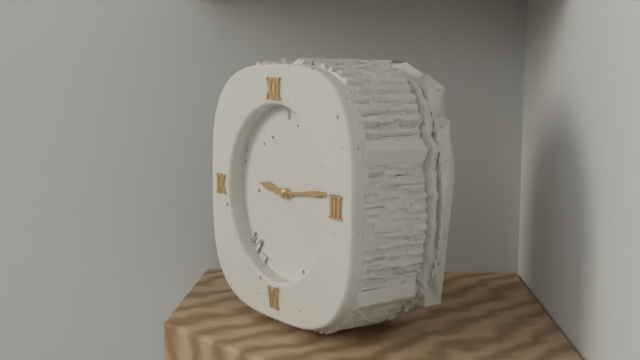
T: 9 h 14 min
